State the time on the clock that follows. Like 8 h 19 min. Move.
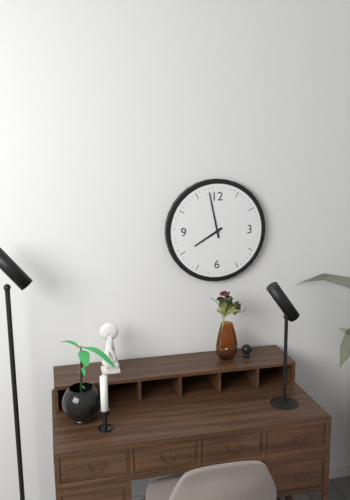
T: 7 h 58 min
